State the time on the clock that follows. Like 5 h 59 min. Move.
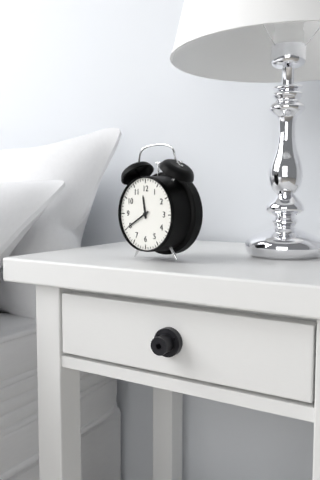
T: 11 h 40 min
